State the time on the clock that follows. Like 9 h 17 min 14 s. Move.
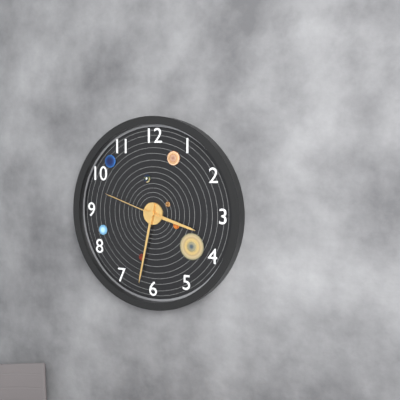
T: 3 h 32 min 48 s
